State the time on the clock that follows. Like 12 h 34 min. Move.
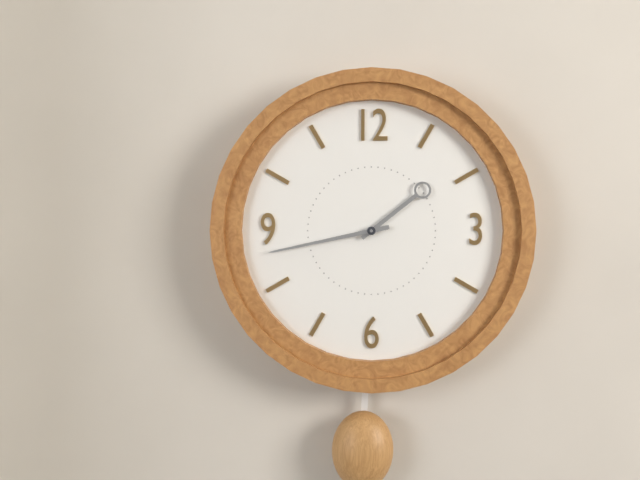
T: 1 h 43 min
